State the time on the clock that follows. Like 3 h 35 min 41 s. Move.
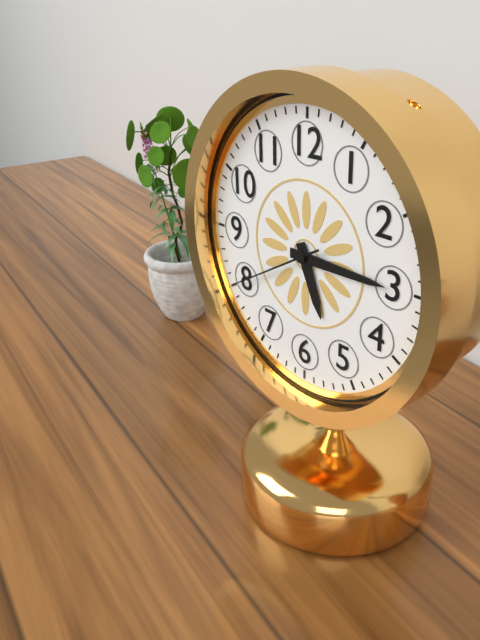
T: 5 h 15 min 40 s
